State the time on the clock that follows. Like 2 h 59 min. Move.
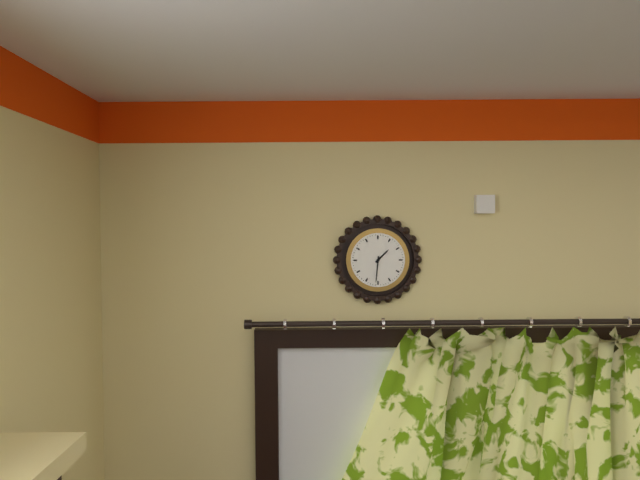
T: 1 h 31 min
